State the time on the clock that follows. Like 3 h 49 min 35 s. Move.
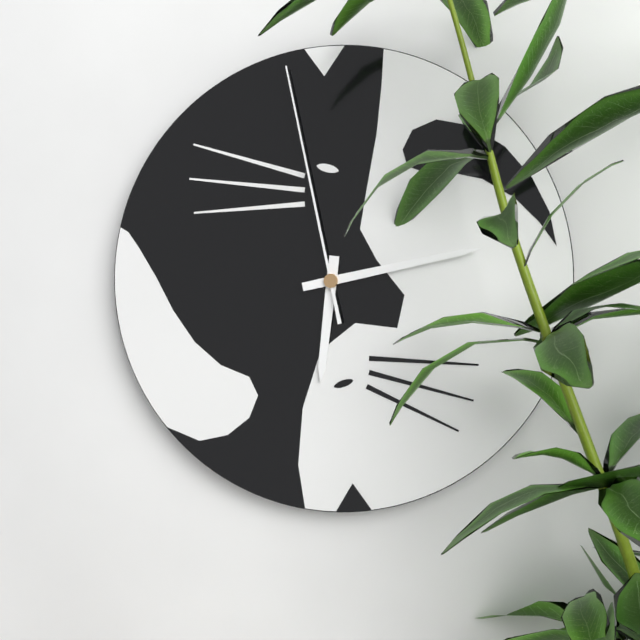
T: 6 h 13 min 58 s
